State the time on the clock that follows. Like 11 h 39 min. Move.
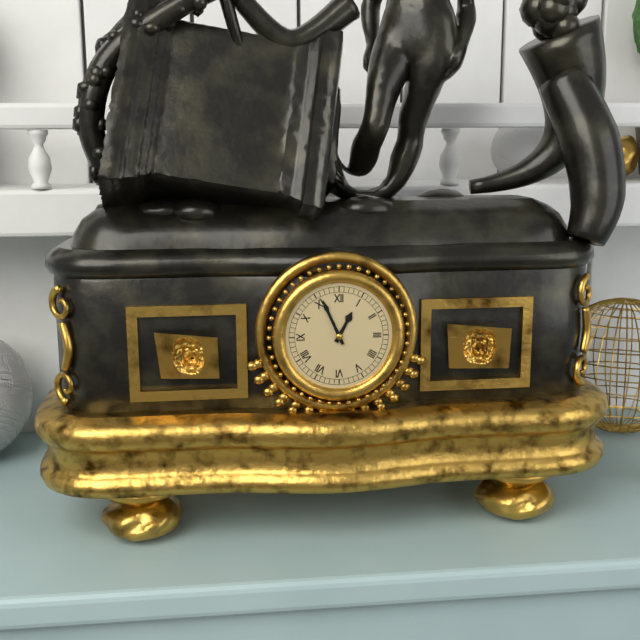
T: 12 h 56 min
